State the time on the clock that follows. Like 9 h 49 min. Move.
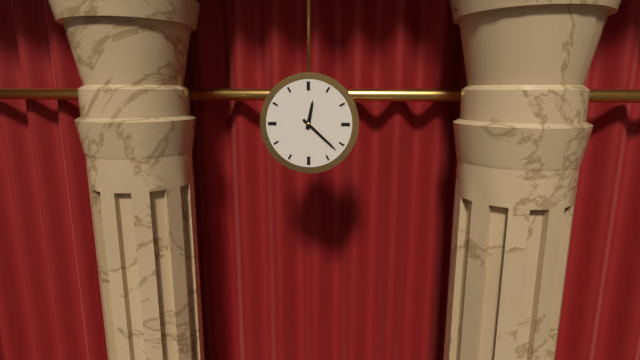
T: 12 h 22 min
